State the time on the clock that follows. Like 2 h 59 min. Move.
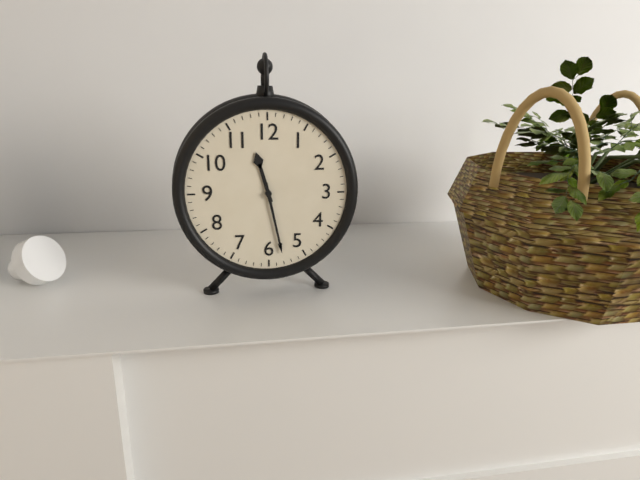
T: 11 h 28 min
